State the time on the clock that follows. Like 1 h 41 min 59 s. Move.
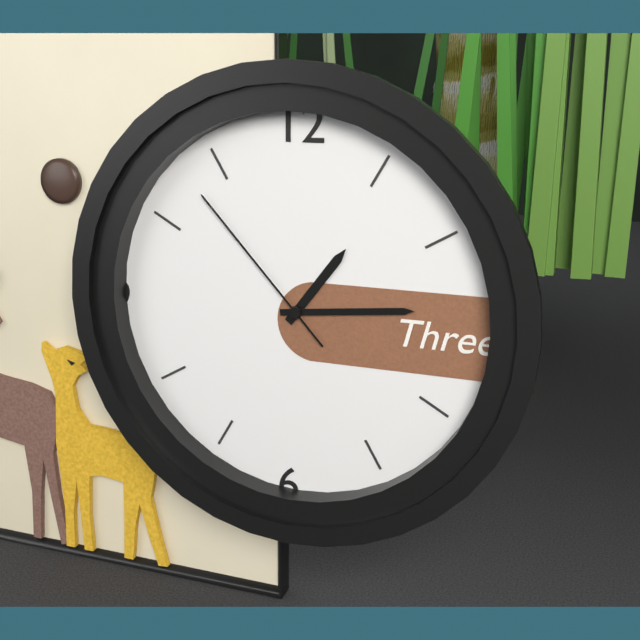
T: 1 h 14 min 53 s
